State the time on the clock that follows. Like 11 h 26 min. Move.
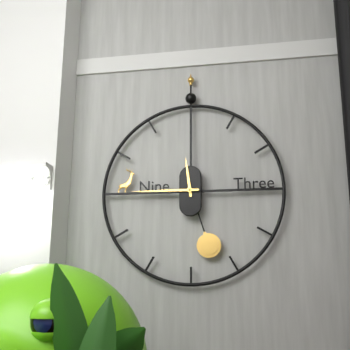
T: 11 h 45 min
